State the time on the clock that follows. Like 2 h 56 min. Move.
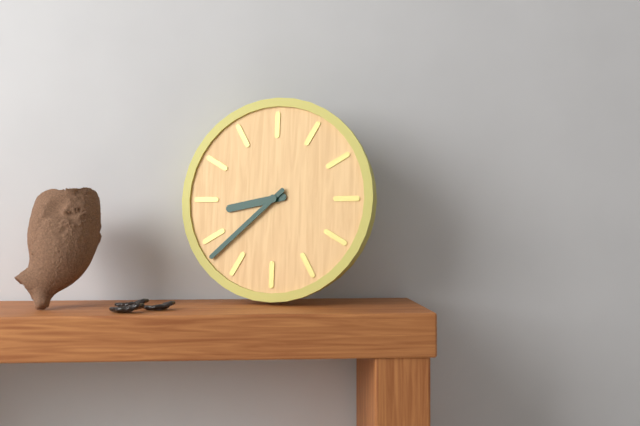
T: 8 h 38 min
